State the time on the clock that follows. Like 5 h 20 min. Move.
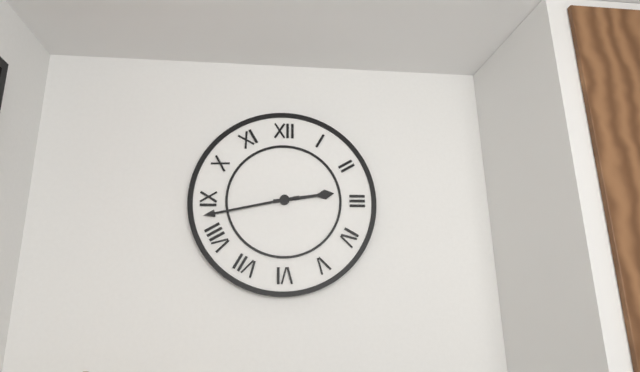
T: 2 h 43 min
